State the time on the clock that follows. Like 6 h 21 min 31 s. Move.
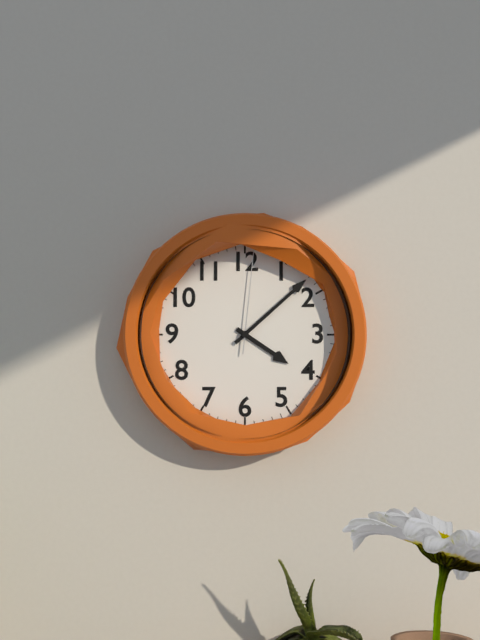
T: 4 h 08 min 01 s
